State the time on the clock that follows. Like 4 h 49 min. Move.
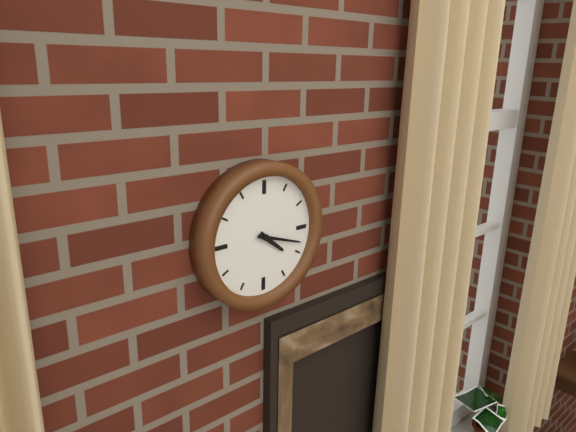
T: 4 h 18 min
